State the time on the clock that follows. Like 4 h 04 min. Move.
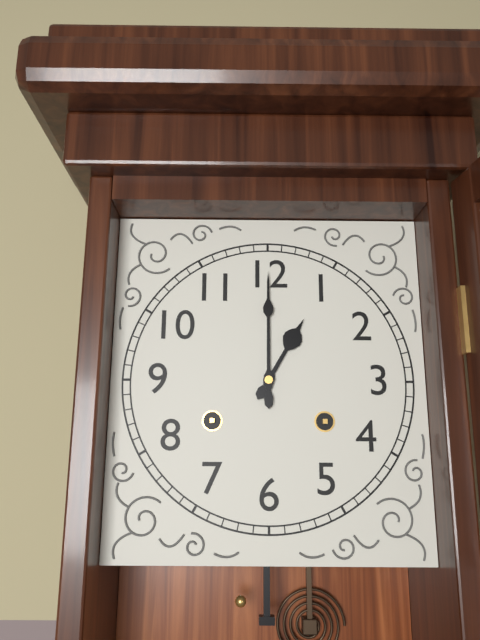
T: 1 h 00 min
